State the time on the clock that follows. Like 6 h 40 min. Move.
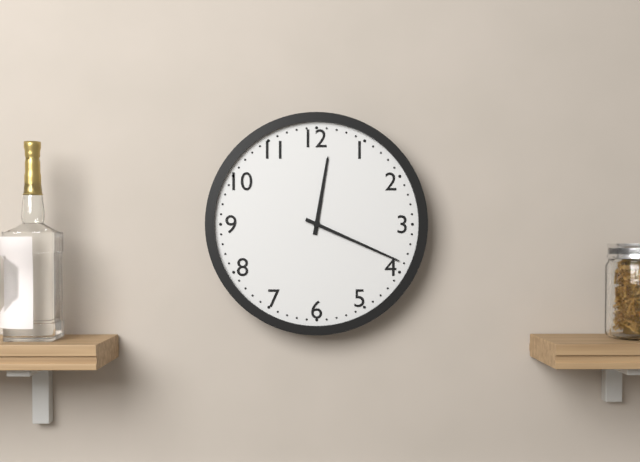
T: 12 h 19 min
